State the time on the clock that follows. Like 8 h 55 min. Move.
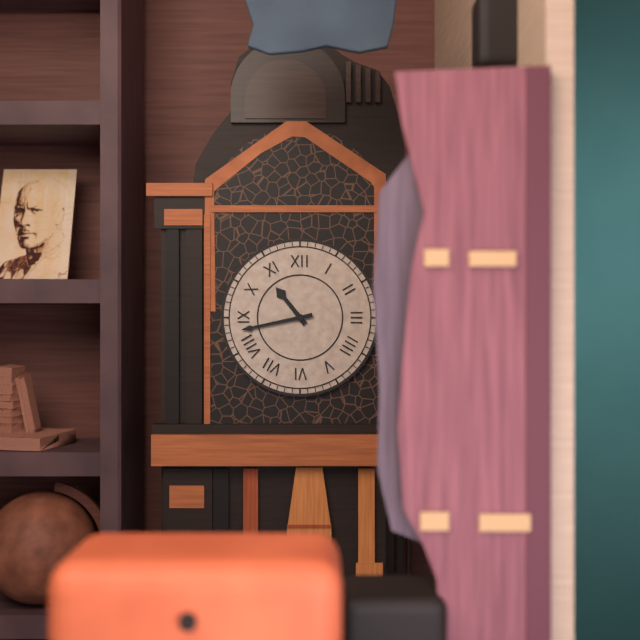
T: 10 h 43 min
